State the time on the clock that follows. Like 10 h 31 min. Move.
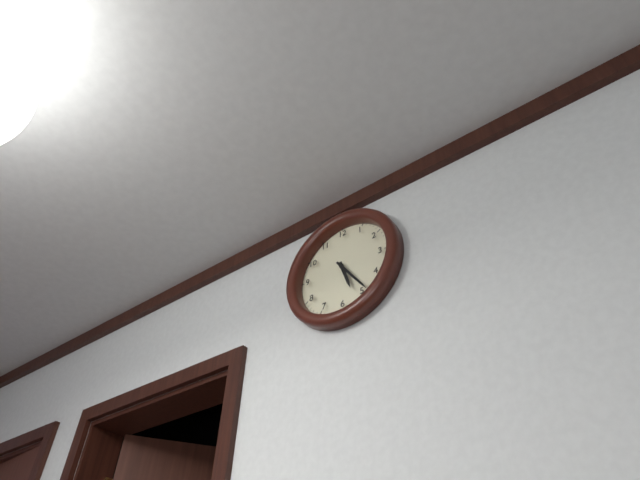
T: 5 h 24 min
